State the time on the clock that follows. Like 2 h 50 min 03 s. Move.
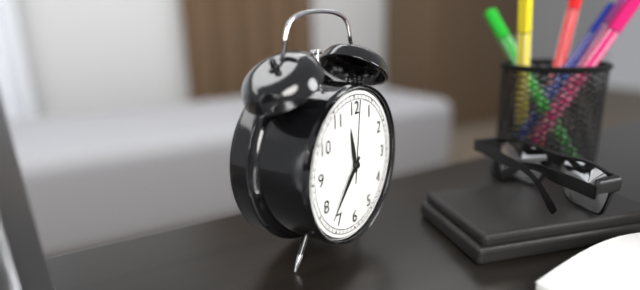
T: 11 h 37 min 01 s
